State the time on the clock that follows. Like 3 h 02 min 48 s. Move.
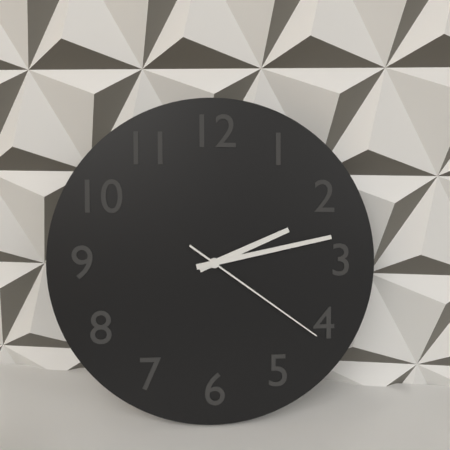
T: 2 h 13 min 21 s
